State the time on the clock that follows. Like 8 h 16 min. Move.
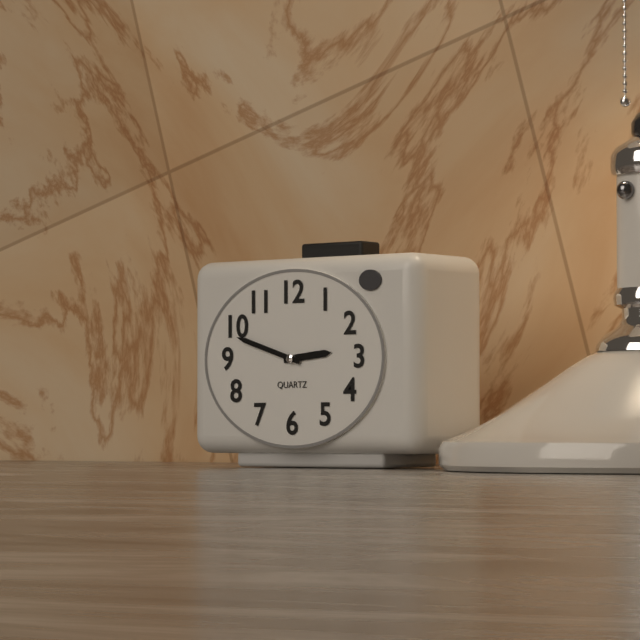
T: 2 h 48 min
